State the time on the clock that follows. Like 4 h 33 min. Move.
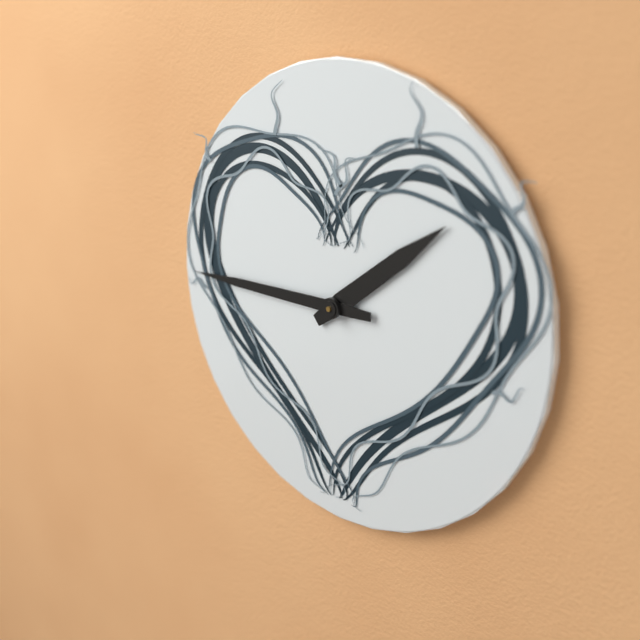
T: 1 h 45 min
